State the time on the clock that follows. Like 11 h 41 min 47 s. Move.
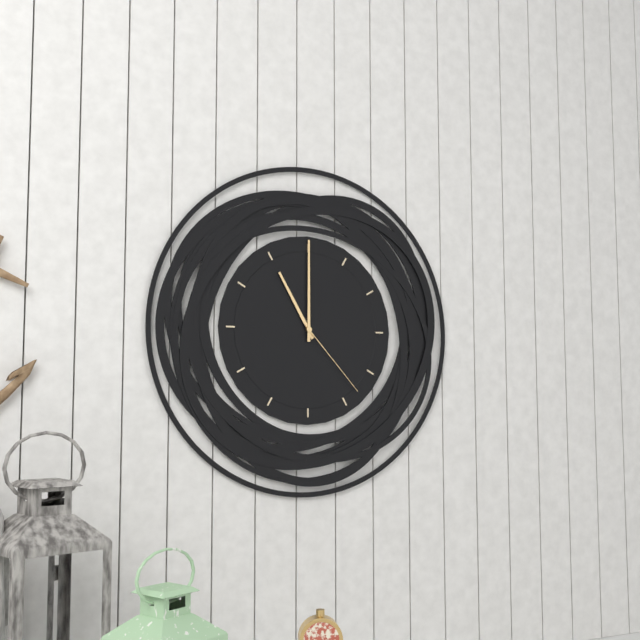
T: 11 h 00 min 23 s
